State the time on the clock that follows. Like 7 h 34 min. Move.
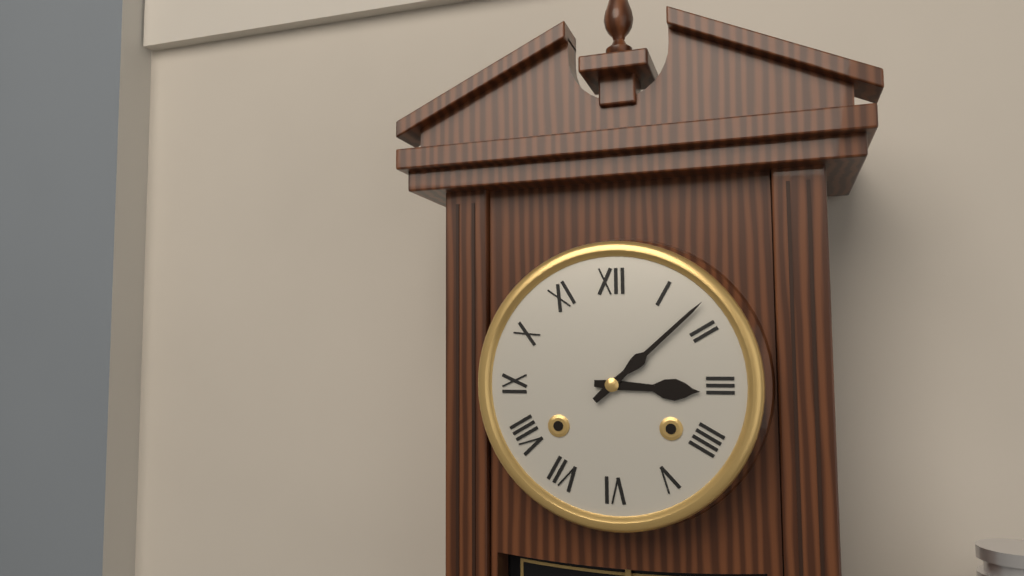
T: 3 h 08 min
